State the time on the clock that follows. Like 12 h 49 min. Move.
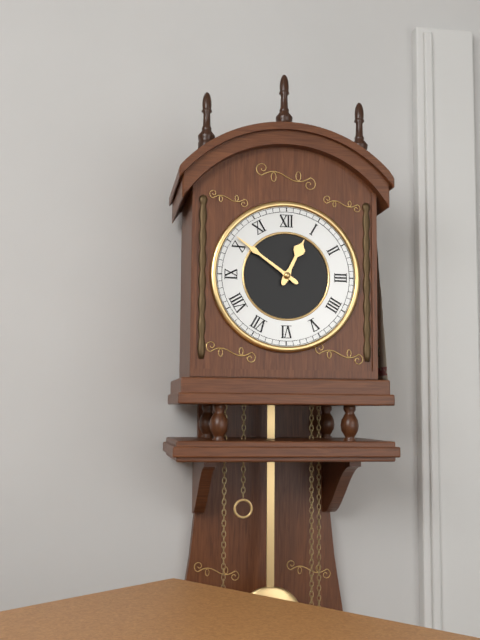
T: 12 h 51 min
